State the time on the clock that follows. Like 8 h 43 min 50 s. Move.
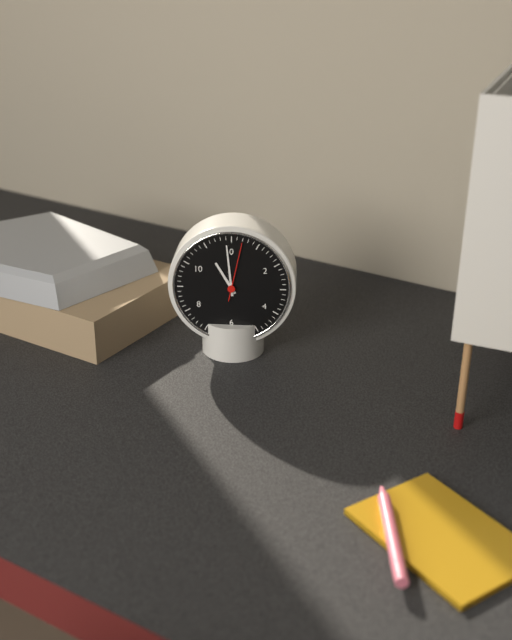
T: 10 h 59 min 02 s
